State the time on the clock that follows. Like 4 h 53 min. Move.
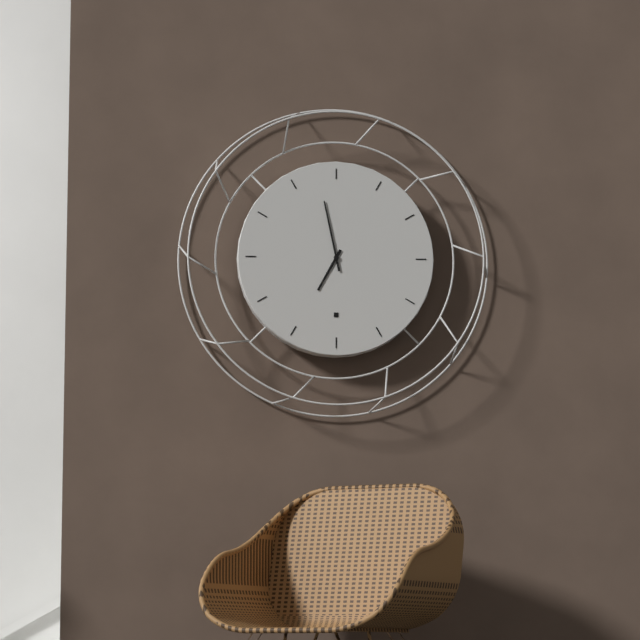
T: 6 h 58 min
